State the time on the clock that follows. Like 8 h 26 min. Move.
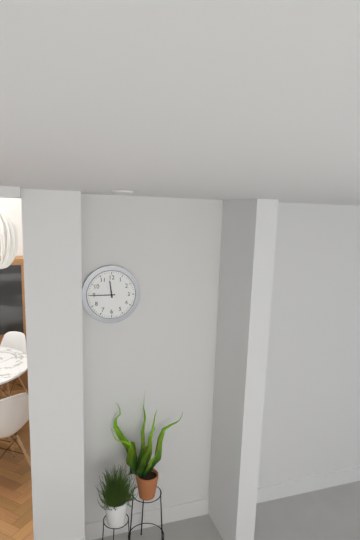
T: 11 h 45 min
